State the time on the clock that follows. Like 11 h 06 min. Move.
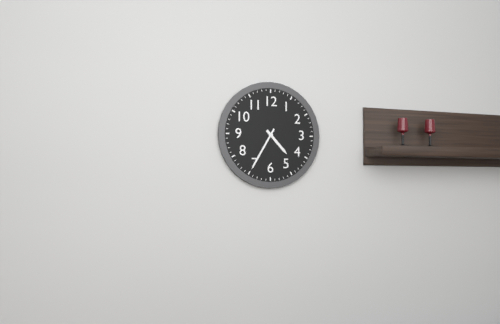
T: 4 h 35 min
